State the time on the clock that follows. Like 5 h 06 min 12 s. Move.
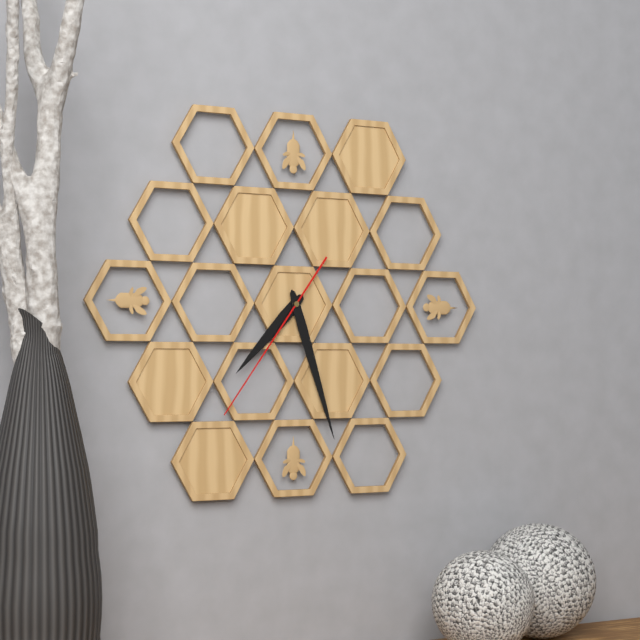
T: 7 h 27 min 36 s
